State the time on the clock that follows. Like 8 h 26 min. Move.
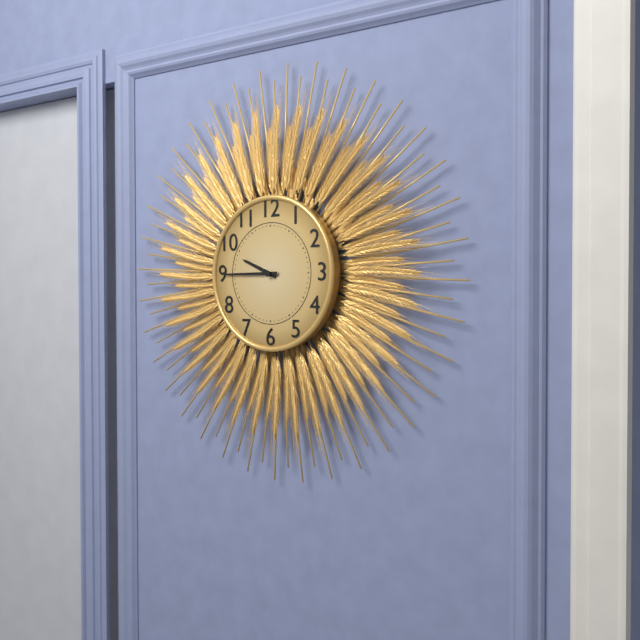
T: 9 h 45 min
